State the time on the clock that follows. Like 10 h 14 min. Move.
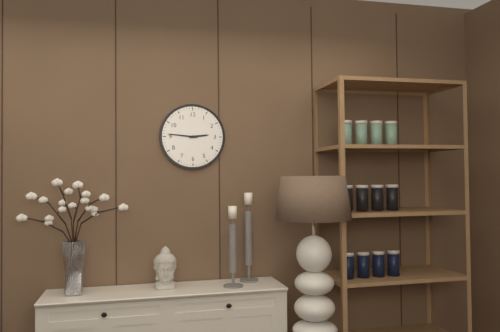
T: 2 h 46 min
